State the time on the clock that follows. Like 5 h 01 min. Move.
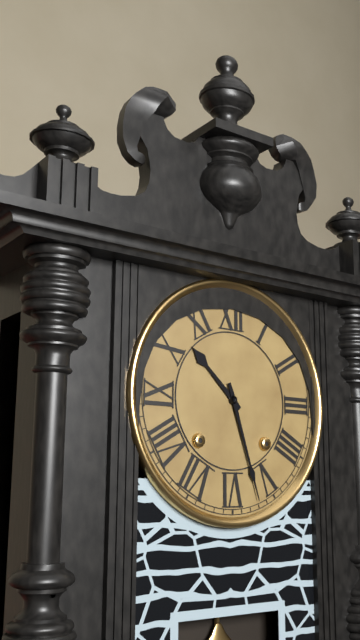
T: 10 h 27 min
